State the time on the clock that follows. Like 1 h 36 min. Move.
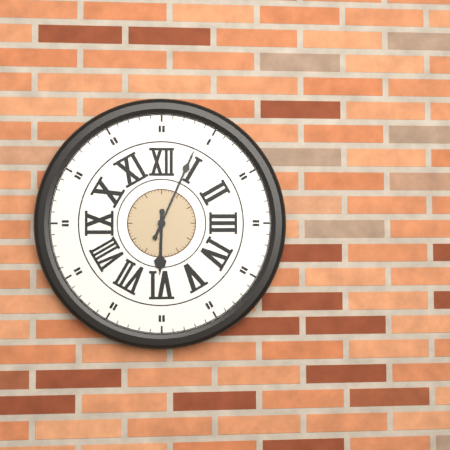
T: 6 h 04 min
